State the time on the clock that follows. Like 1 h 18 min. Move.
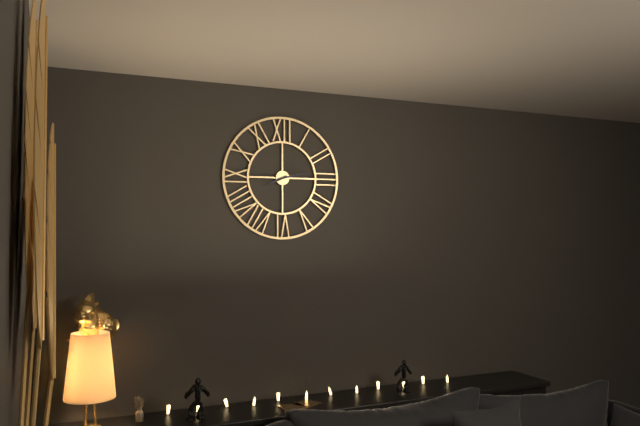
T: 8 h 13 min
